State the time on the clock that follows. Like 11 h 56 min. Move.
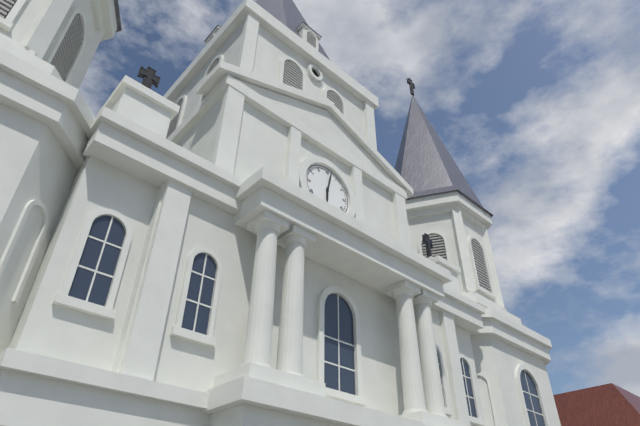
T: 6 h 02 min
